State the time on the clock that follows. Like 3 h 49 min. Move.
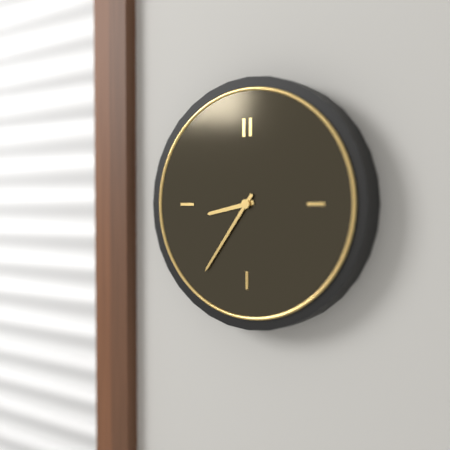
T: 8 h 36 min
